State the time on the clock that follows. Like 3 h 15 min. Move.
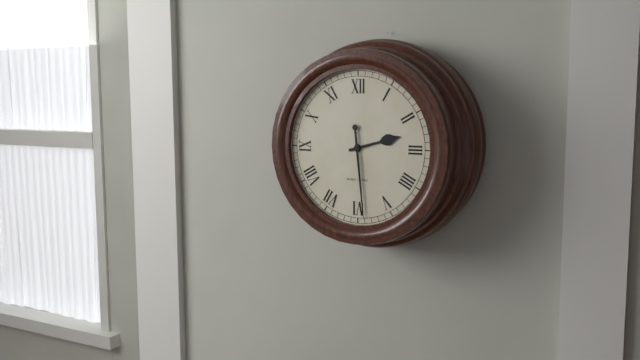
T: 2 h 29 min
